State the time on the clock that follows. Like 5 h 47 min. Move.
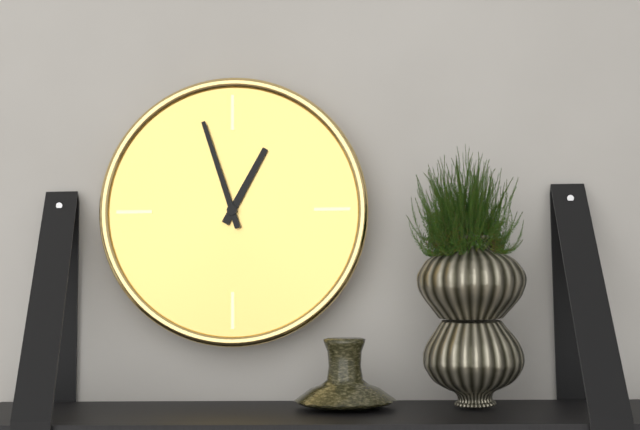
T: 12 h 57 min
